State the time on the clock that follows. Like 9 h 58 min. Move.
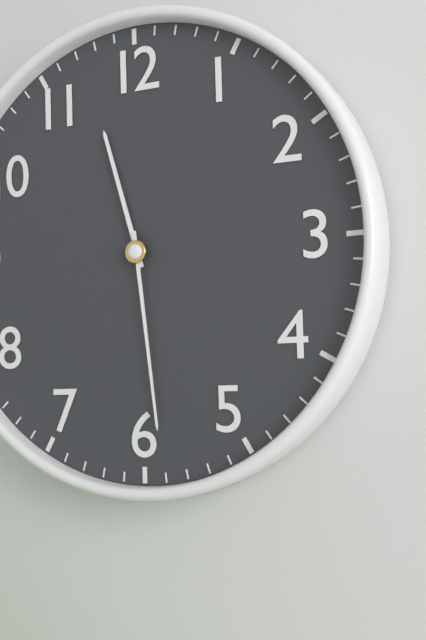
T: 11 h 29 min
